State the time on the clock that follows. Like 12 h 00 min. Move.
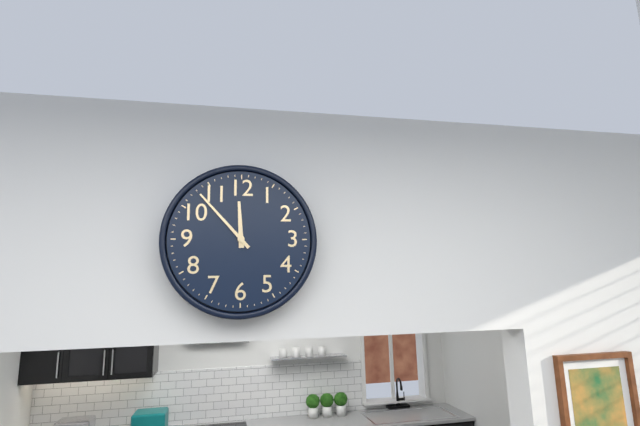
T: 11 h 53 min
